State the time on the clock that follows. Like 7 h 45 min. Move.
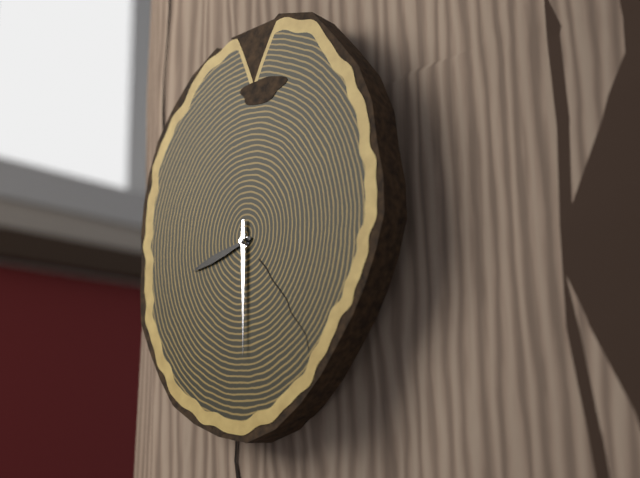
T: 8 h 30 min
